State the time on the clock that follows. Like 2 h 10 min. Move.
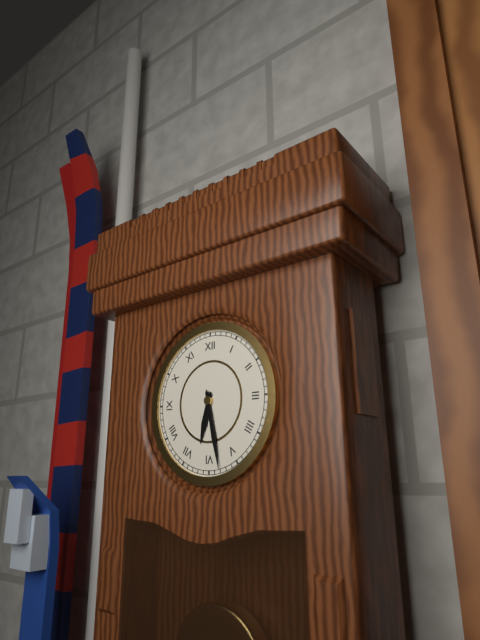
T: 6 h 28 min
